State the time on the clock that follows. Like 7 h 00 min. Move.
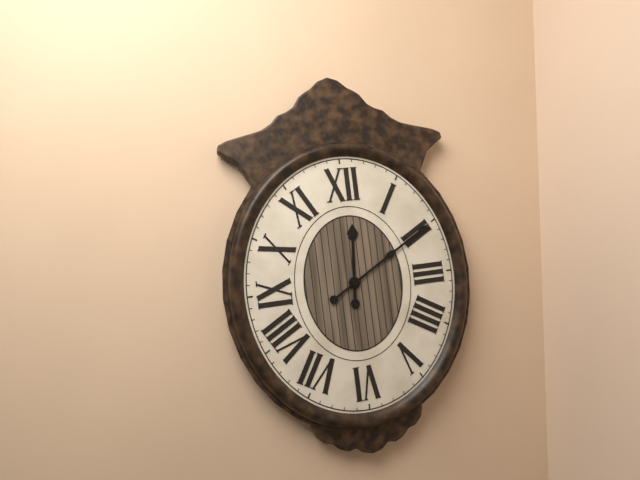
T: 12 h 10 min
